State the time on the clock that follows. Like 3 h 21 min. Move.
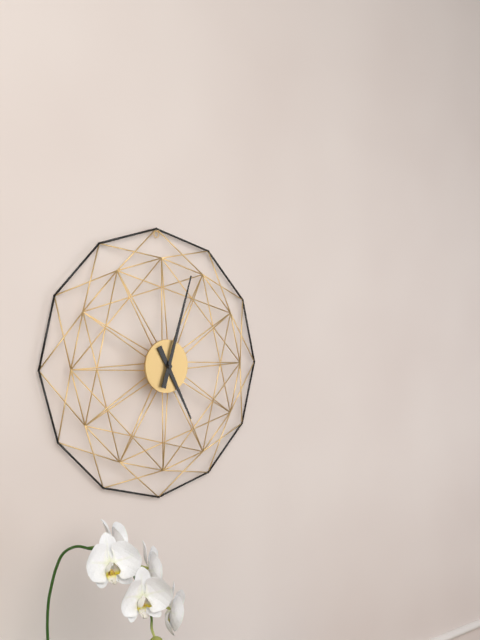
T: 5 h 03 min
